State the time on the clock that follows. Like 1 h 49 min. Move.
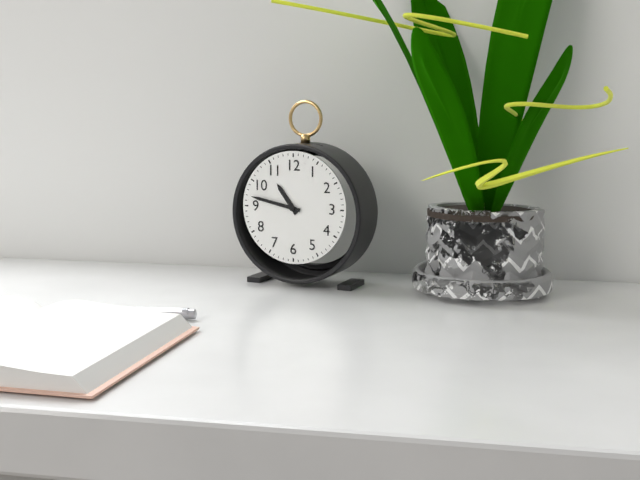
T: 10 h 47 min
